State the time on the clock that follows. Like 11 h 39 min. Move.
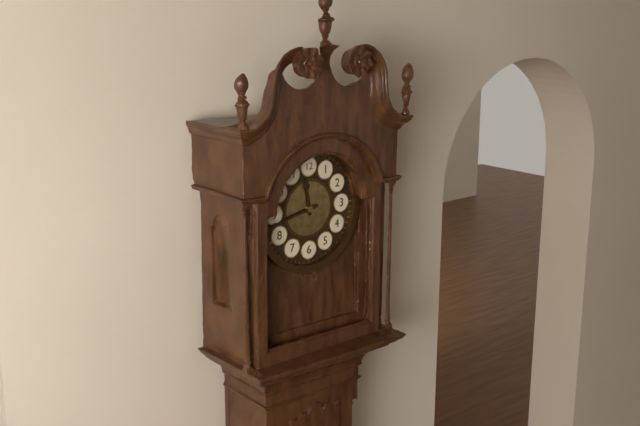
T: 11 h 43 min
